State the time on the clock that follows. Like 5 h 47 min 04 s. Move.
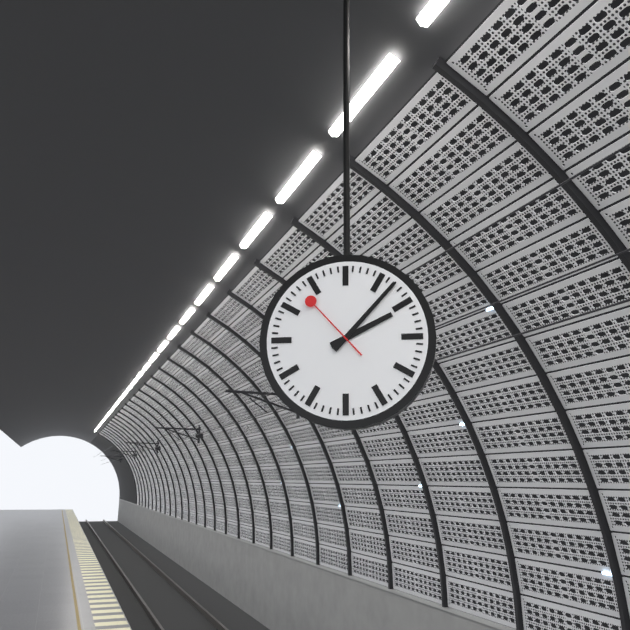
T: 2 h 07 min 53 s
